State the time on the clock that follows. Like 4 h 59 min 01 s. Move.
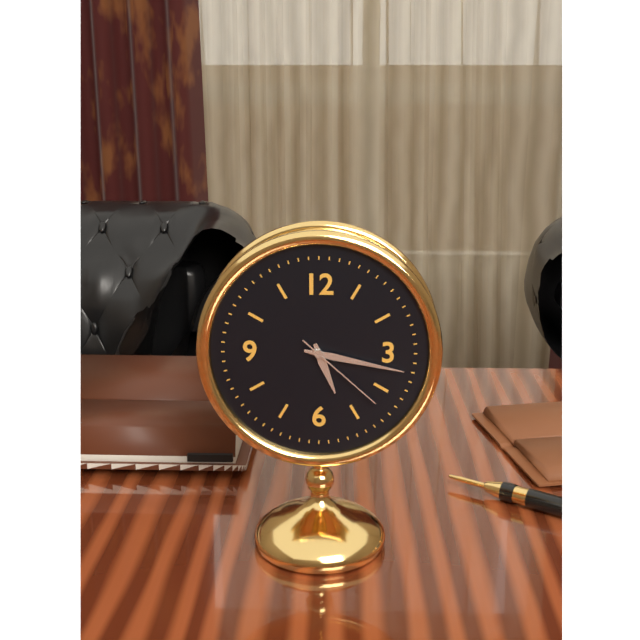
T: 5 h 17 min 22 s
